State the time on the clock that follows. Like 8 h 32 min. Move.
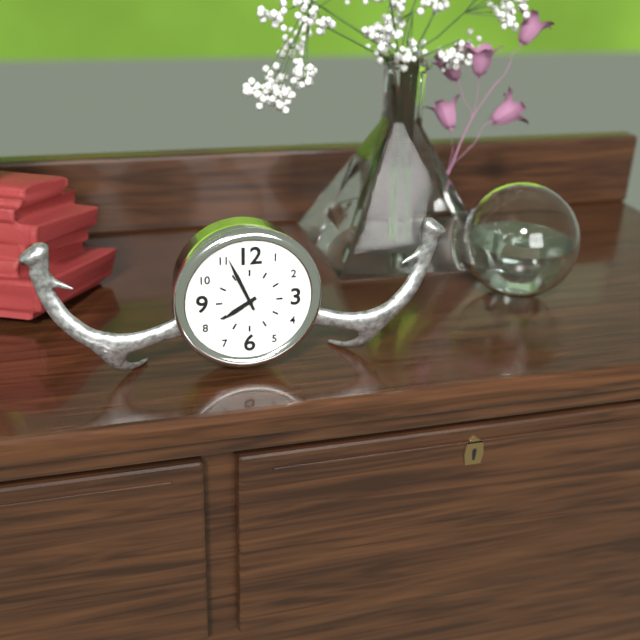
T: 7 h 56 min
